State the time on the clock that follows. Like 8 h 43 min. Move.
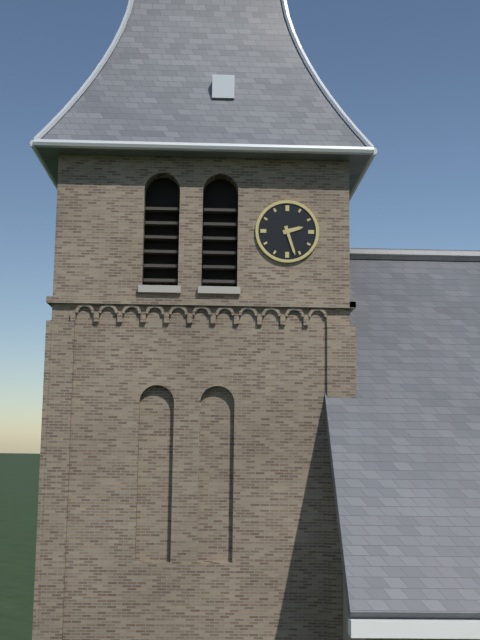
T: 2 h 27 min
